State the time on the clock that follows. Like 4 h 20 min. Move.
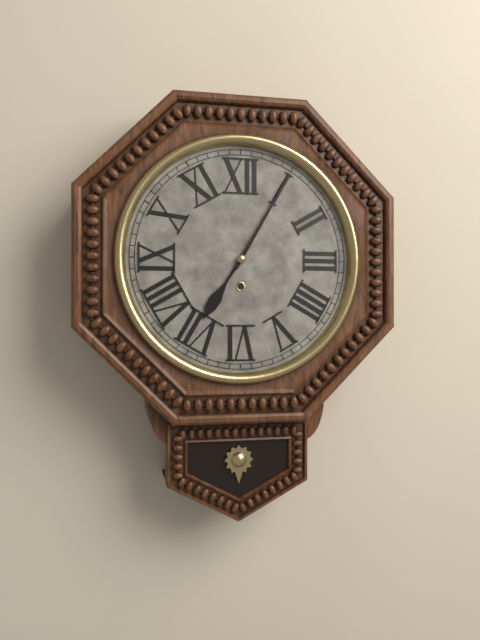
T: 7 h 05 min
